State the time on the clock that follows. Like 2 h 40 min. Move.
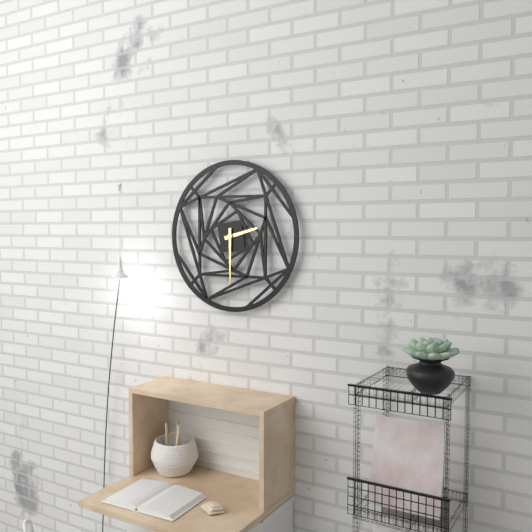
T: 2 h 30 min
